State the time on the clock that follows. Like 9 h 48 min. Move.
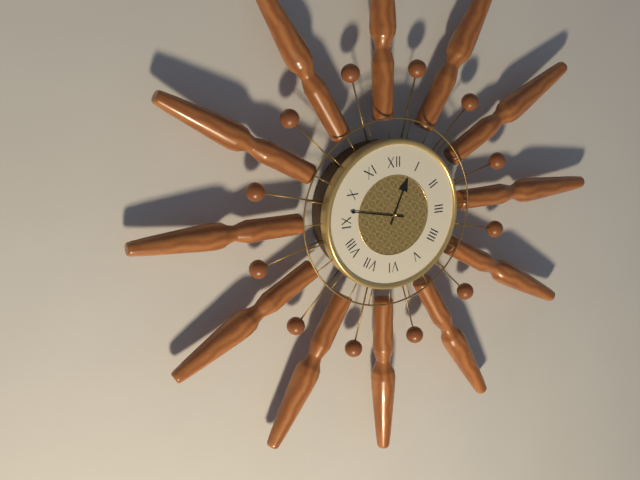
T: 12 h 47 min
